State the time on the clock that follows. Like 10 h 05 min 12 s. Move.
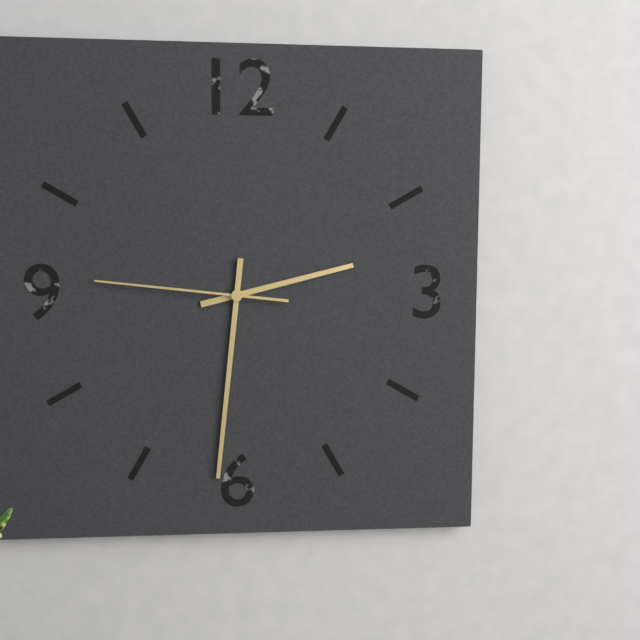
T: 2 h 31 min 46 s
